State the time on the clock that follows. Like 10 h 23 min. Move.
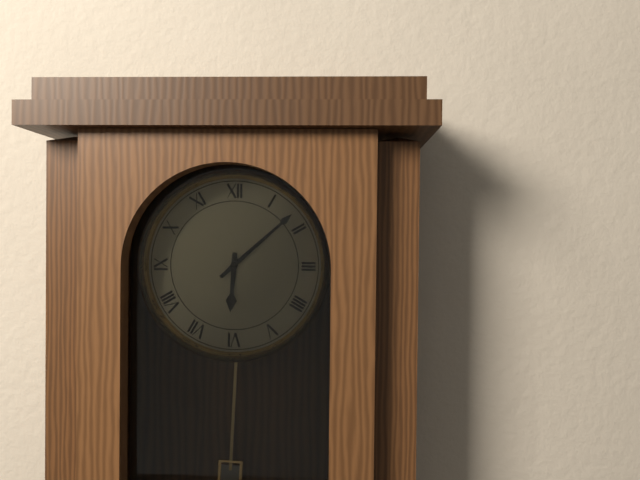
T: 6 h 08 min
